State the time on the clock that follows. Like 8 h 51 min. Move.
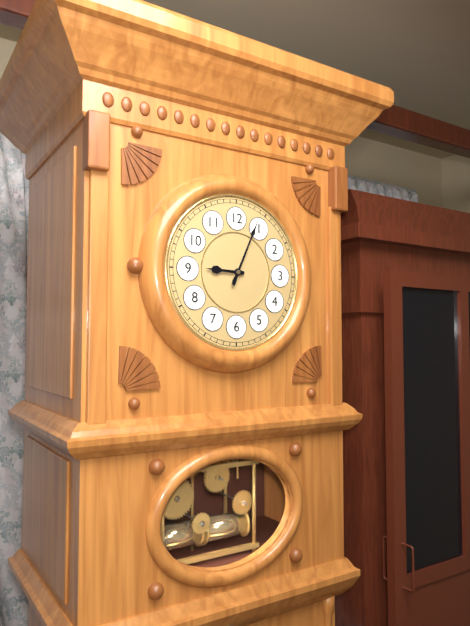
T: 9 h 04 min
